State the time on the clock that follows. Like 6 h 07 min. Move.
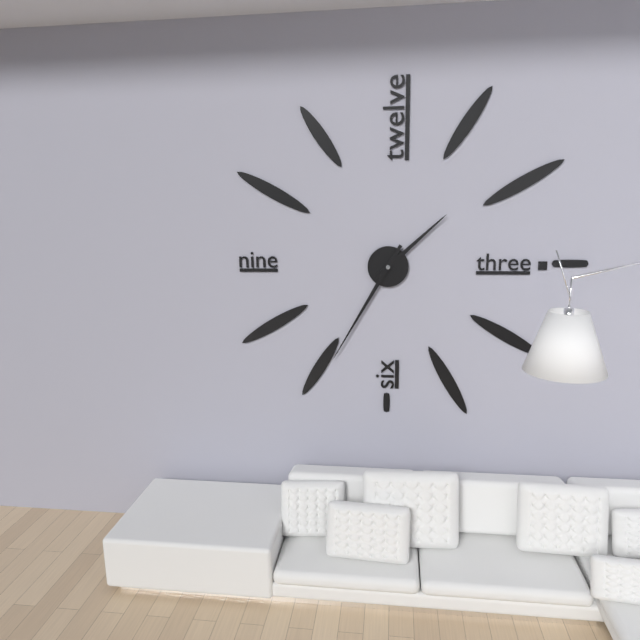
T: 1 h 35 min
